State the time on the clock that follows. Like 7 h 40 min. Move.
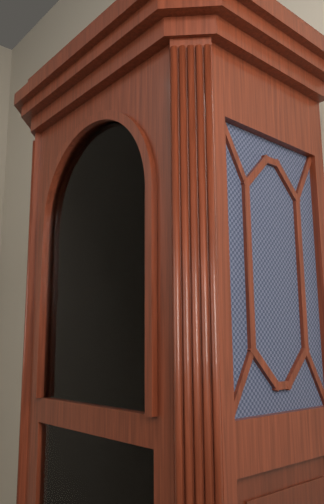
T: 1 h 51 min
